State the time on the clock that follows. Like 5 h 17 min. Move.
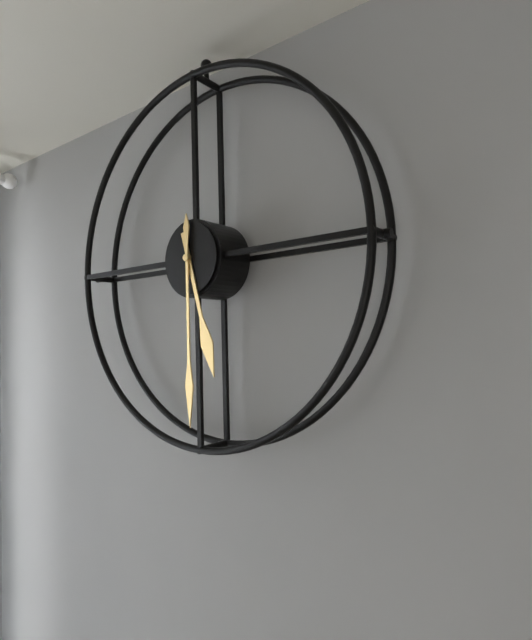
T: 5 h 30 min
